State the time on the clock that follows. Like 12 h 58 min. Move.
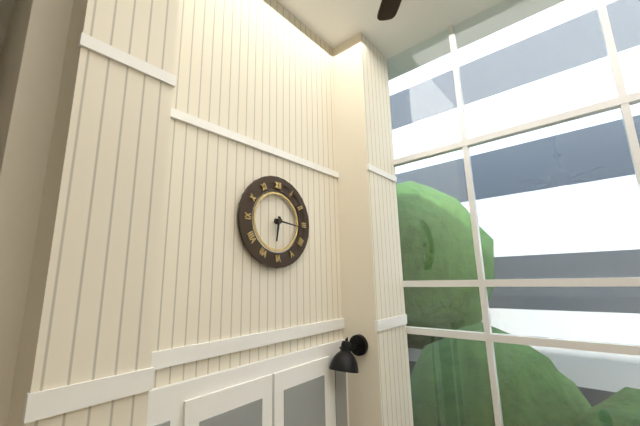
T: 6 h 16 min
